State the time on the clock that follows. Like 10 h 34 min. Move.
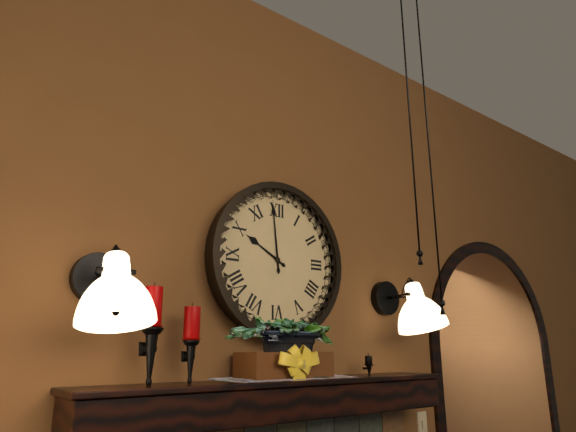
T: 9 h 59 min
